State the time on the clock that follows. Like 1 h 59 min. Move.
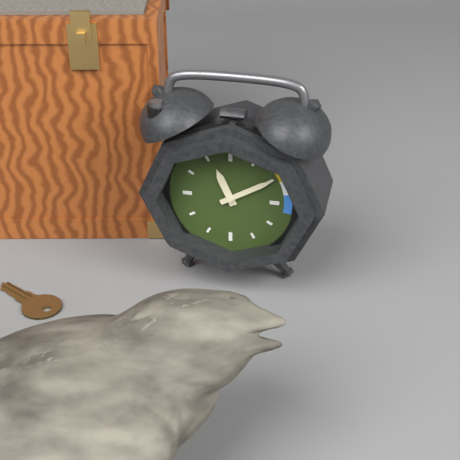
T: 11 h 10 min
